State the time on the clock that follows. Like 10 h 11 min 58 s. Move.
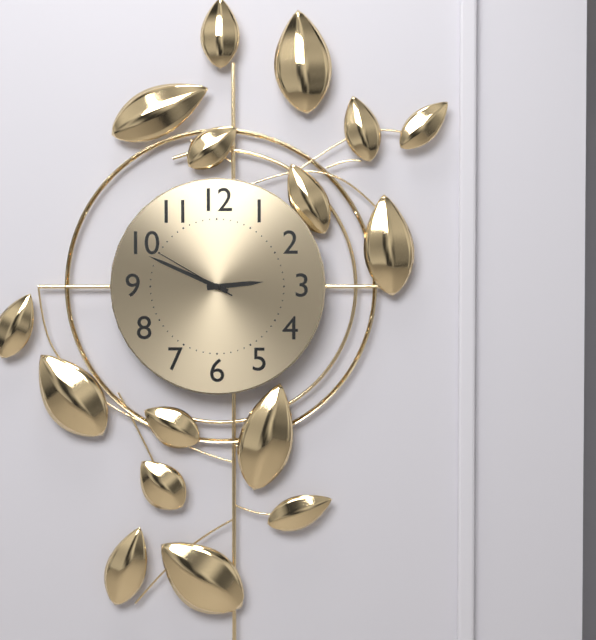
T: 2 h 49 min 50 s
